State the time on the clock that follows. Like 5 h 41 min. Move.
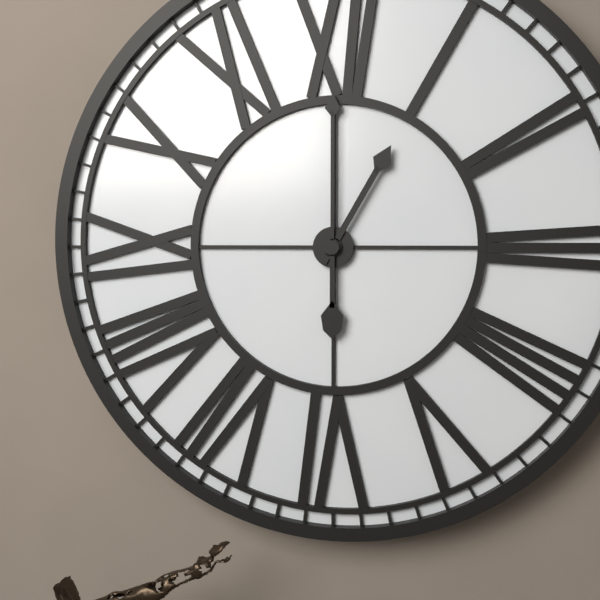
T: 1 h 00 min
